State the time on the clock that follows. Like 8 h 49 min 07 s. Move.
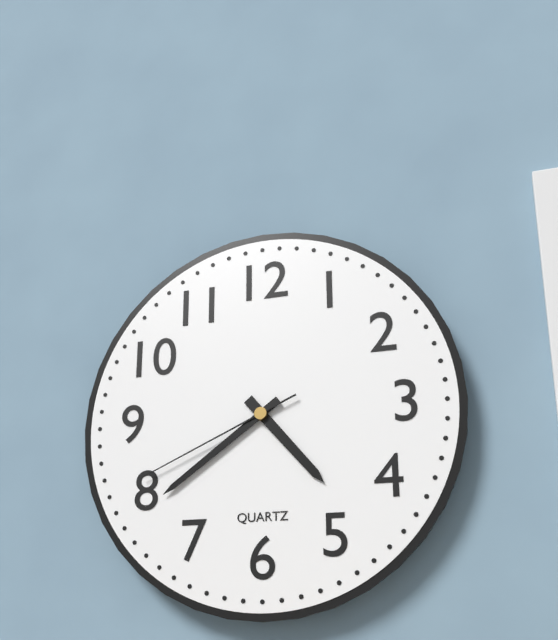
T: 4 h 39 min 41 s
